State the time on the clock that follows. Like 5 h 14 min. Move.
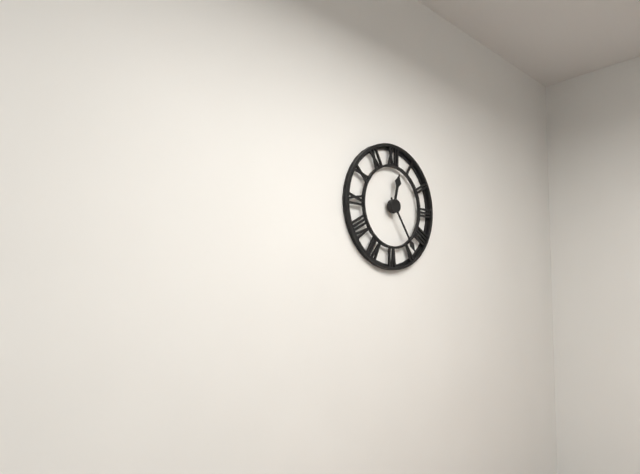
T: 12 h 24 min
